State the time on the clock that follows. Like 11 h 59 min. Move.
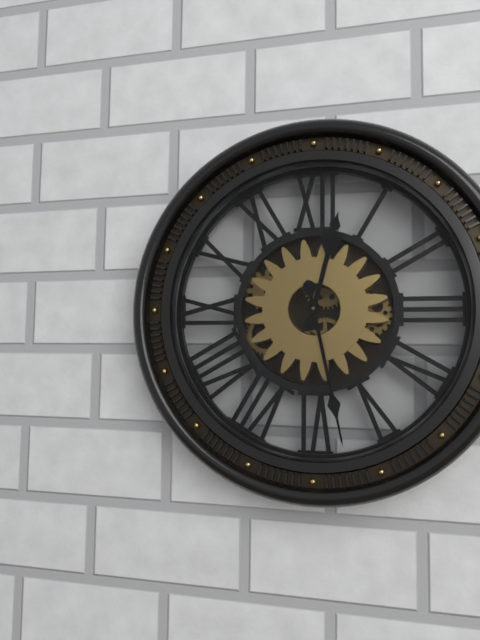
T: 12 h 28 min
